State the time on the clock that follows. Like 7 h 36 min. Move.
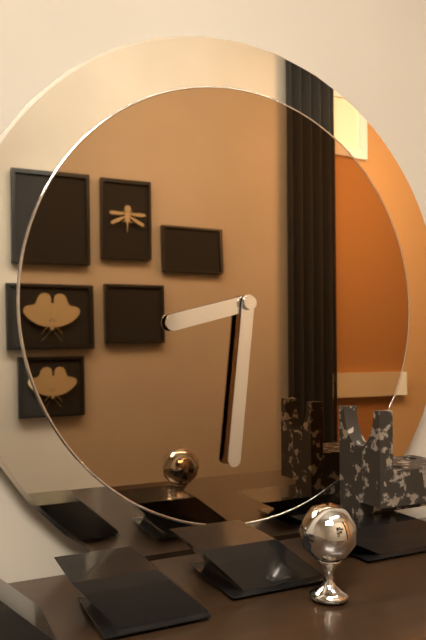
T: 8 h 31 min
